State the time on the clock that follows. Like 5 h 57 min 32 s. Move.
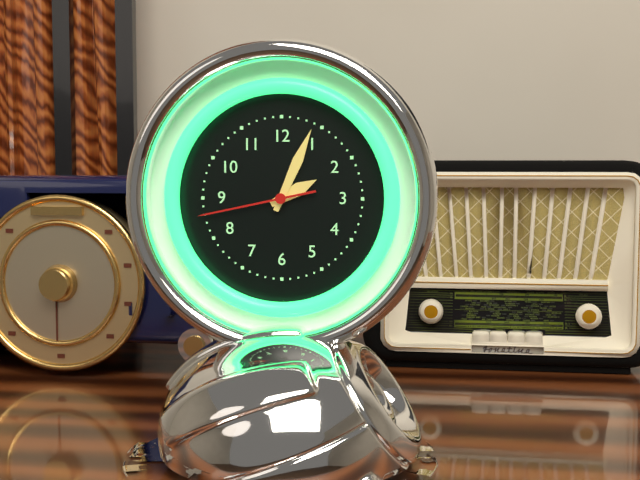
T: 2 h 04 min 43 s
